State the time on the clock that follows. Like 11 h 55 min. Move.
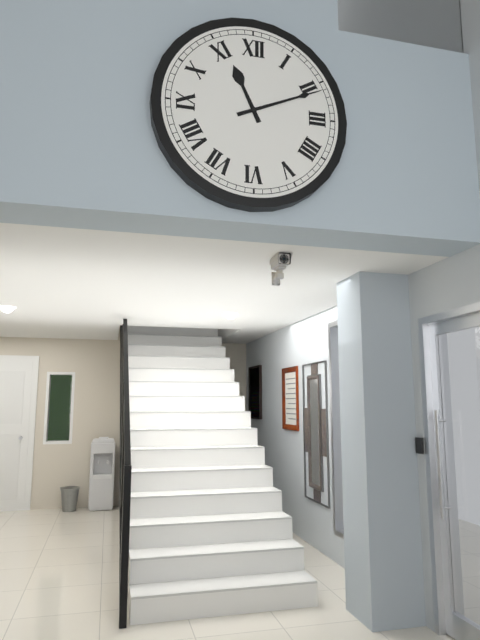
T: 11 h 11 min
